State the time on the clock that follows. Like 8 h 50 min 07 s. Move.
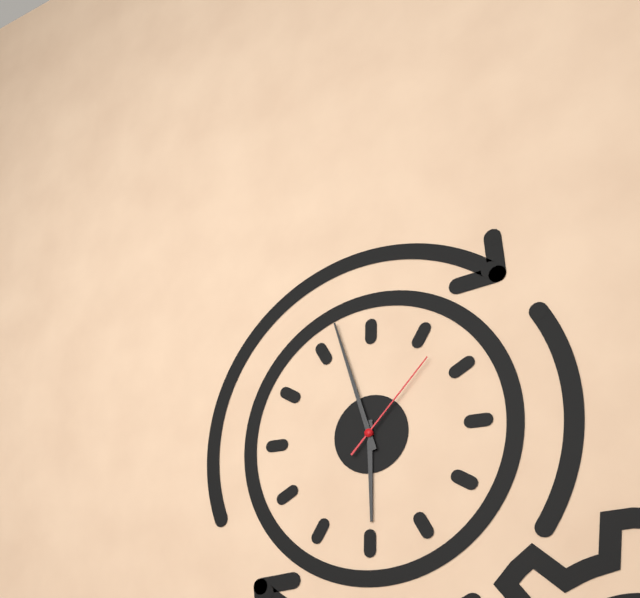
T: 5 h 57 min 07 s
